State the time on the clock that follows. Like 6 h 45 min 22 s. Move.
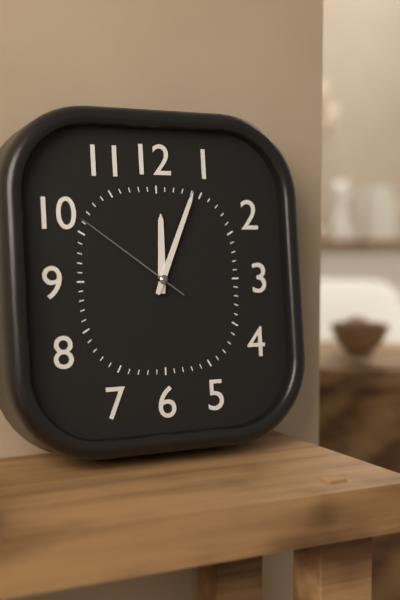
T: 12 h 04 min 51 s
